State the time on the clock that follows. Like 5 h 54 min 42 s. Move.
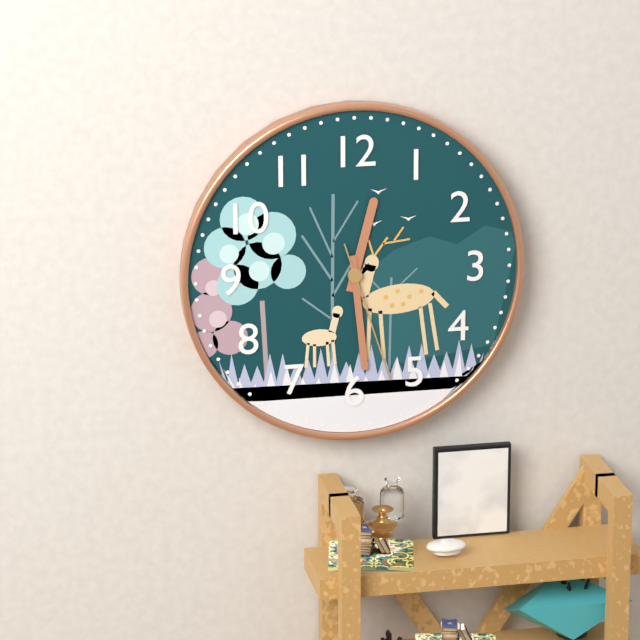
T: 12 h 29 min 27 s
